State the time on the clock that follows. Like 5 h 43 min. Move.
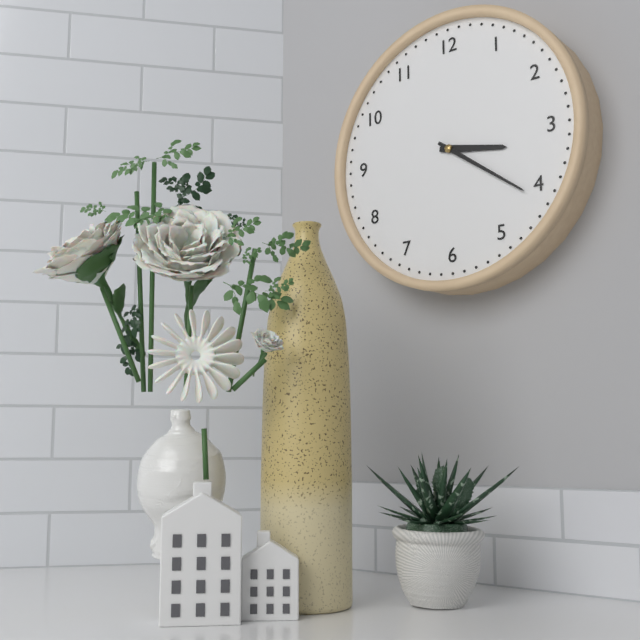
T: 3 h 21 min
